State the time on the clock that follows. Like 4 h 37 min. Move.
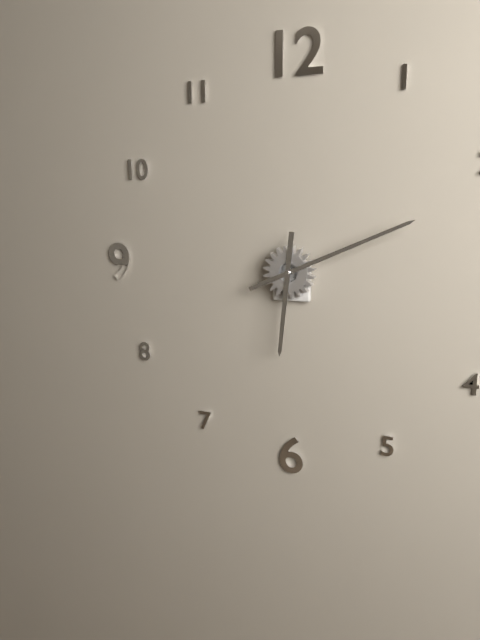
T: 6 h 11 min
